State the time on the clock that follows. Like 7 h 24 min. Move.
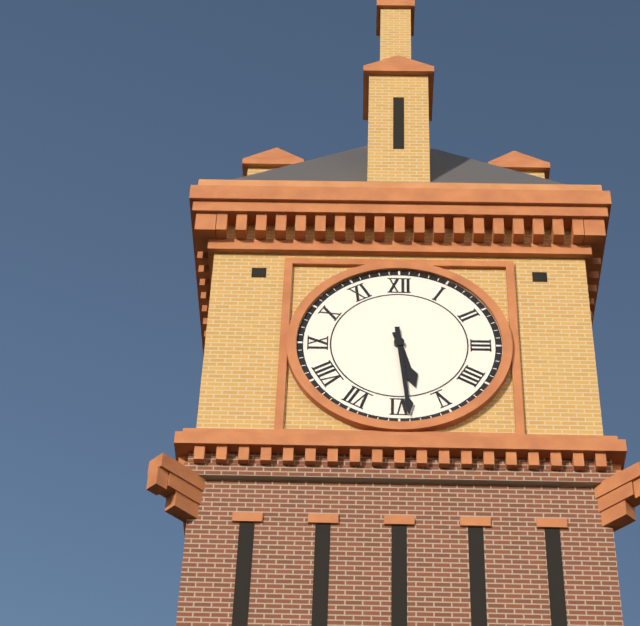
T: 5 h 29 min
